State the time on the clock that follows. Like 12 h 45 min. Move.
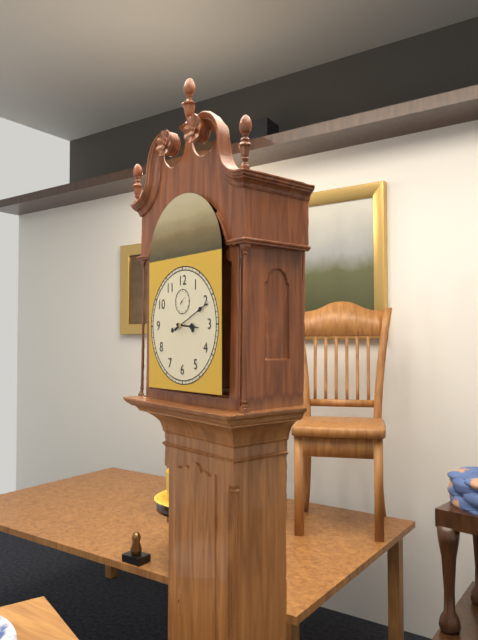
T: 3 h 11 min
